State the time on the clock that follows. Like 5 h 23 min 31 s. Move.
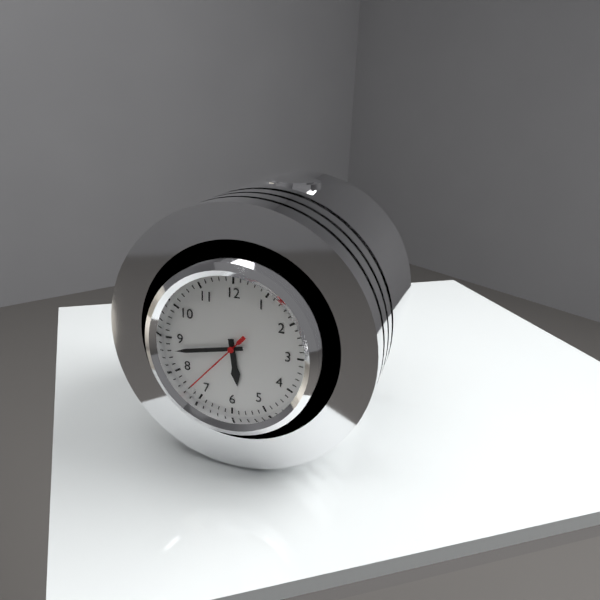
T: 5 h 43 min 37 s
